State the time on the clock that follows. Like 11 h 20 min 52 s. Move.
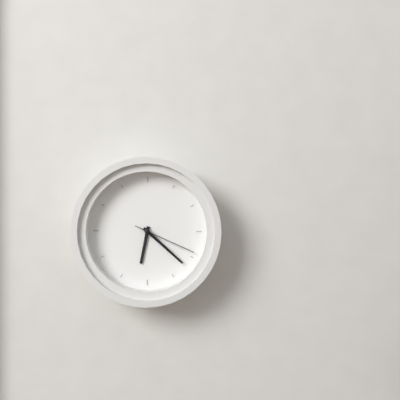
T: 6 h 22 min 19 s
